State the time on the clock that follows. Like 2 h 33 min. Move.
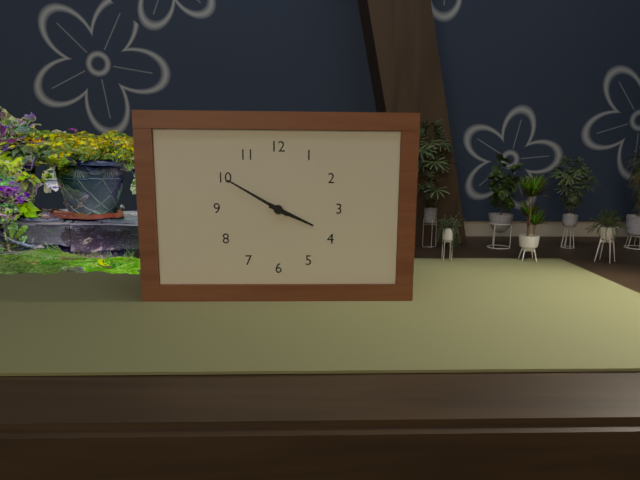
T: 3 h 50 min
